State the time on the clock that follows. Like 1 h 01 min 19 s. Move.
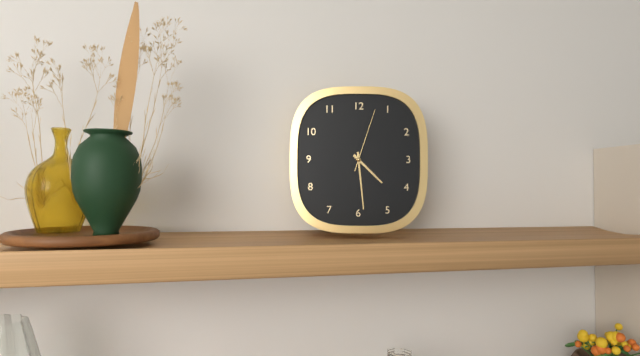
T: 4 h 29 min 03 s
